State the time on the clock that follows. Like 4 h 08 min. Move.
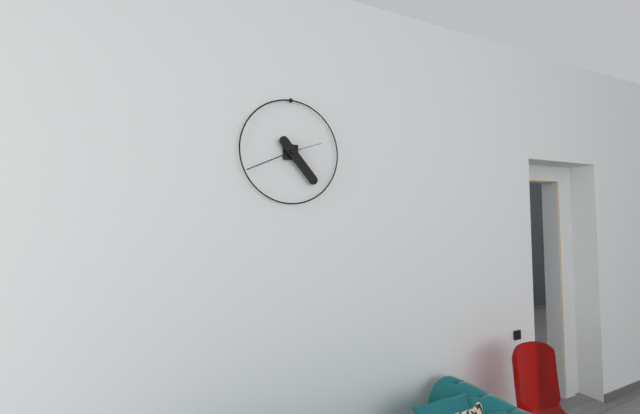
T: 4 h 41 min
